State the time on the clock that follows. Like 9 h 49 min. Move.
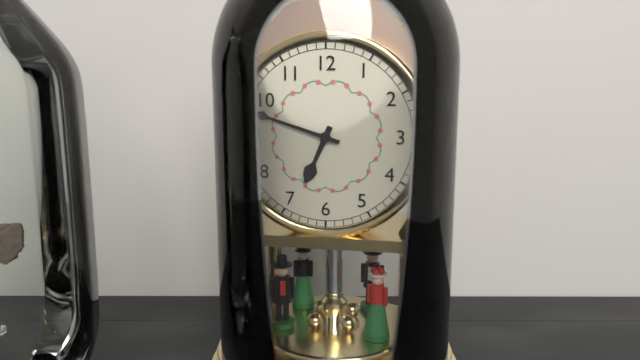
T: 6 h 48 min
